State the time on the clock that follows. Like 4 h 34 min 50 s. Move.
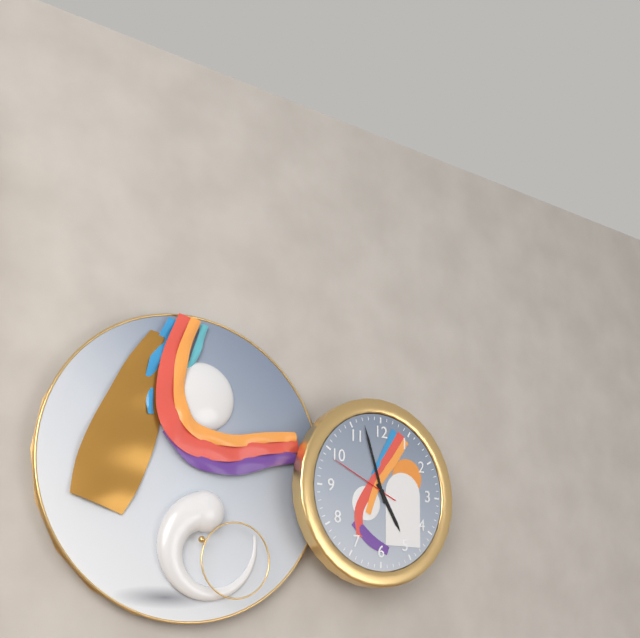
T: 4 h 57 min 49 s
